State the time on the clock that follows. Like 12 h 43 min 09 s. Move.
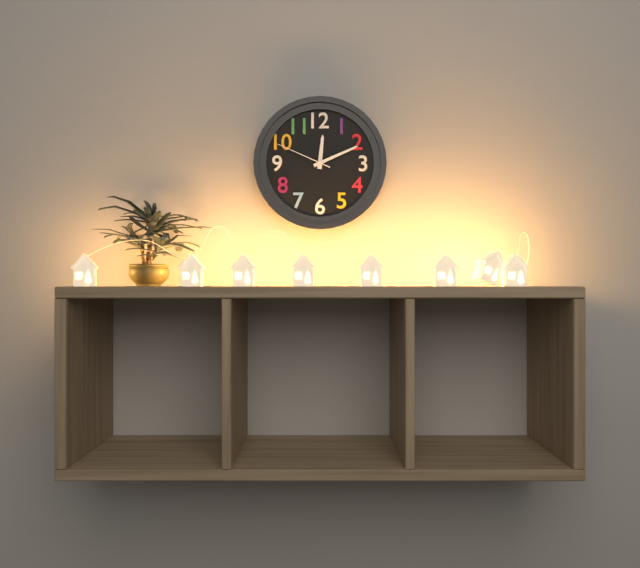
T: 12 h 11 min 49 s
